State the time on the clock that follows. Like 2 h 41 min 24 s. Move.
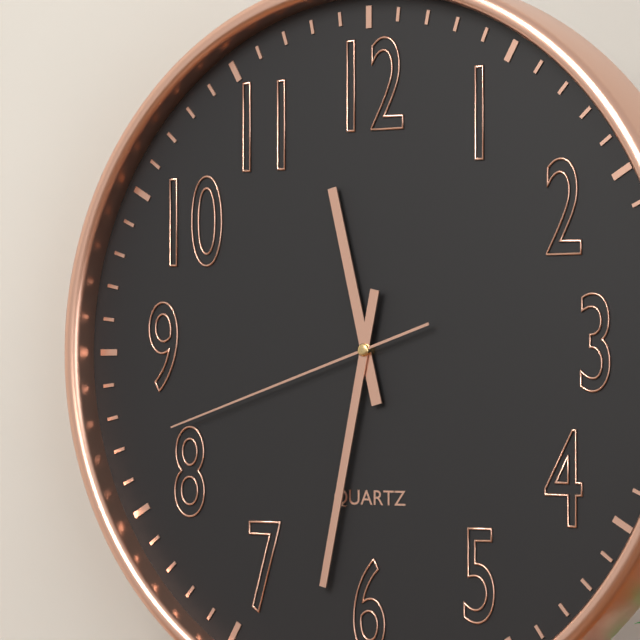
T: 11 h 32 min 42 s
